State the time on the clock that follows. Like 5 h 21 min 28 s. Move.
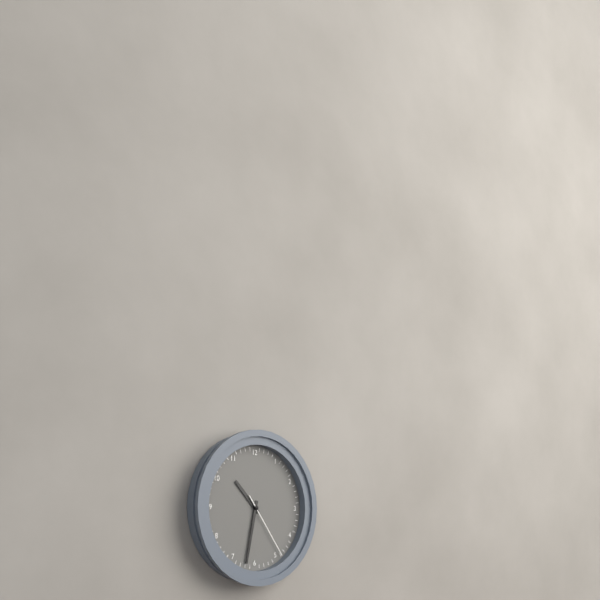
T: 10 h 32 min 24 s
